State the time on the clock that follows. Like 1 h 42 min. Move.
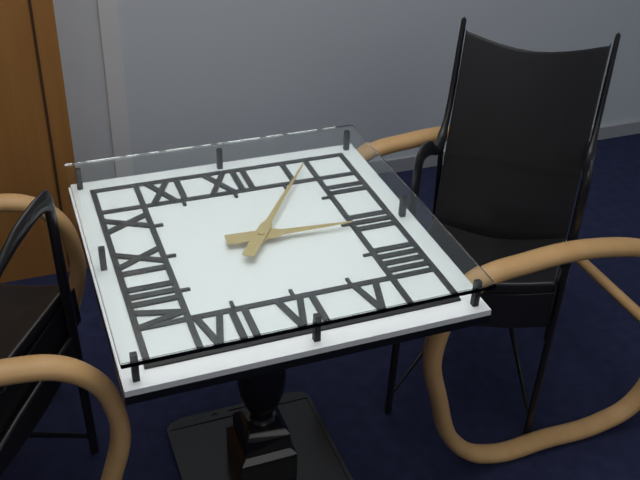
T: 3 h 06 min
